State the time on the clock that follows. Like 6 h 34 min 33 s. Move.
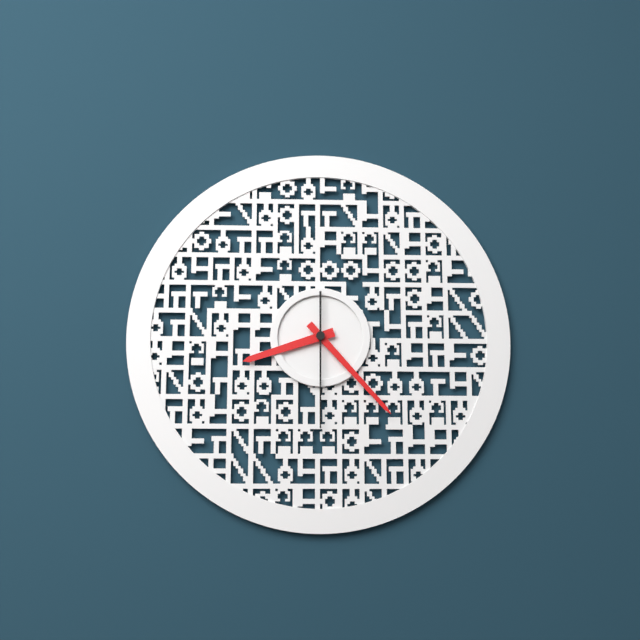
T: 8 h 23 min 30 s
